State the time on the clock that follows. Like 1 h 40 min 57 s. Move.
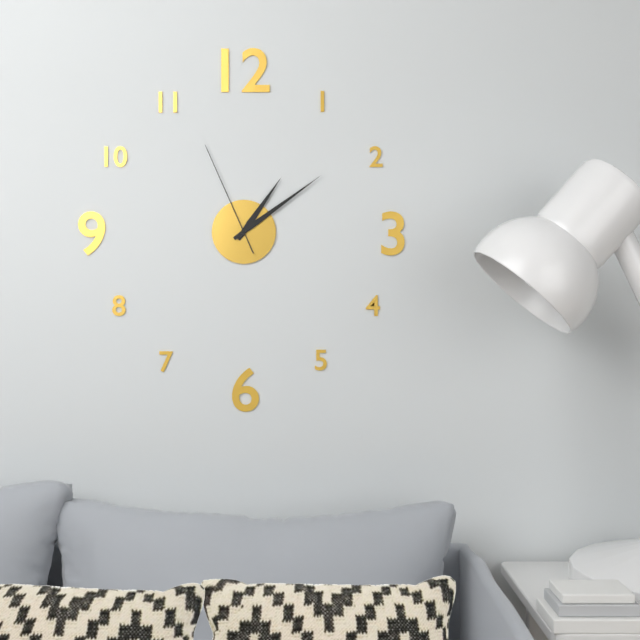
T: 1 h 09 min 56 s
